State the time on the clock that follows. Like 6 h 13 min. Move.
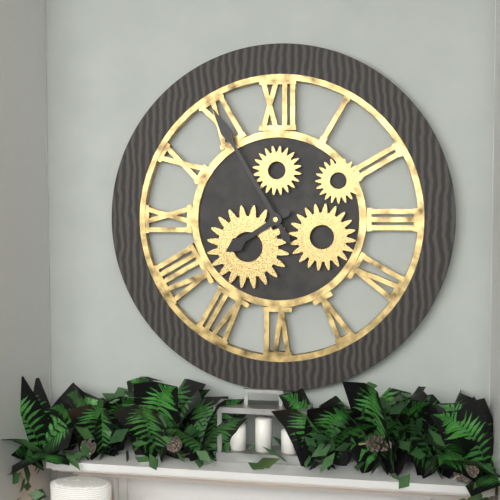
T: 7 h 55 min
